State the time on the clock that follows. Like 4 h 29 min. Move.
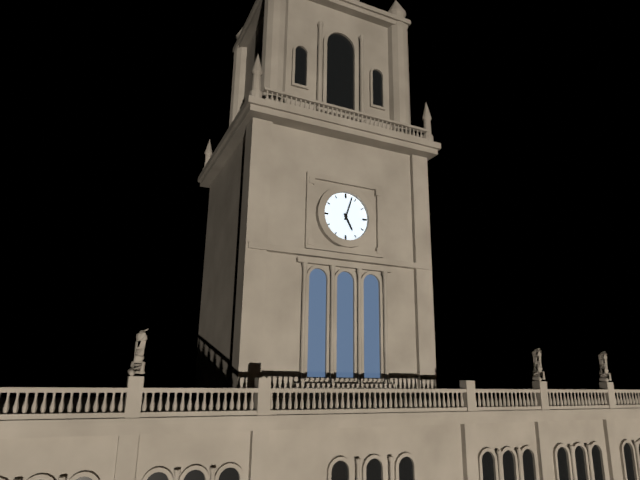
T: 5 h 03 min
